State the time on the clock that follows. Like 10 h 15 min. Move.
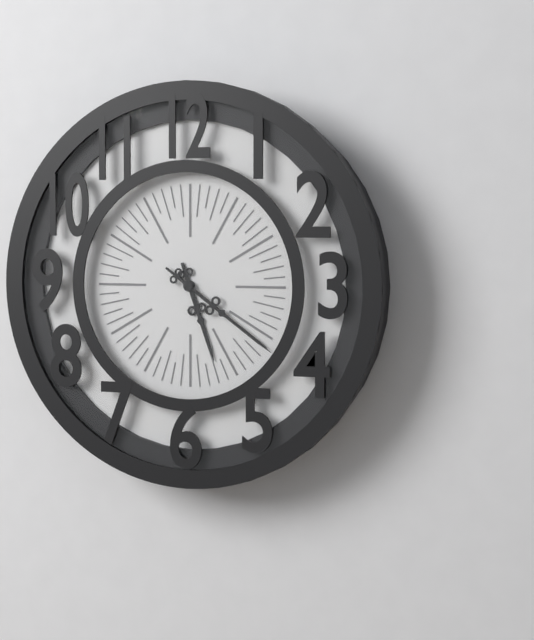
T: 5 h 21 min
